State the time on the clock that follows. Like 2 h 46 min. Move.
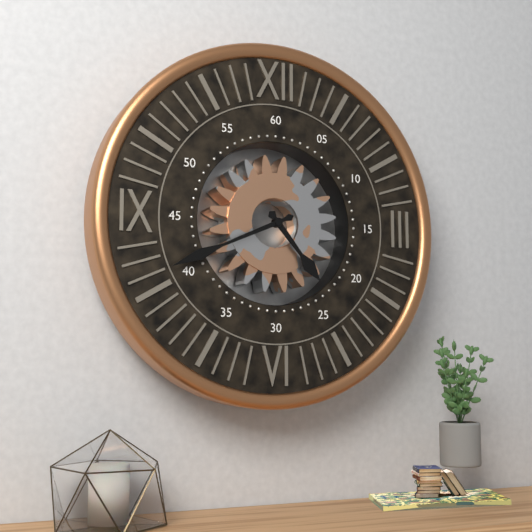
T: 4 h 41 min
